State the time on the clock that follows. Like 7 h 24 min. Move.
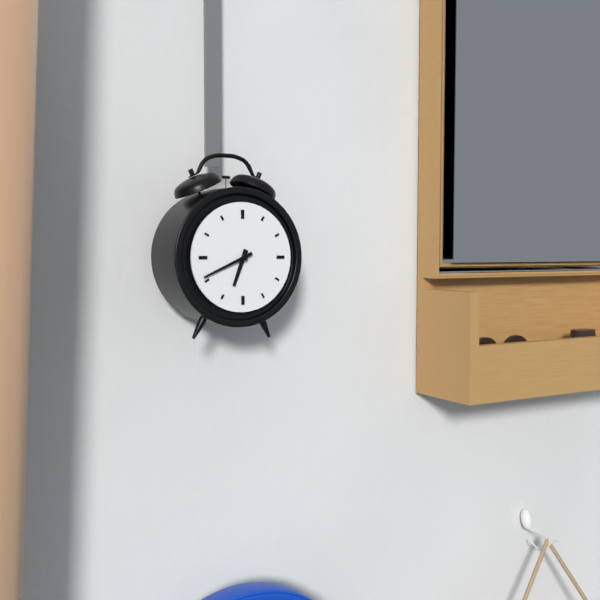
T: 6 h 41 min
